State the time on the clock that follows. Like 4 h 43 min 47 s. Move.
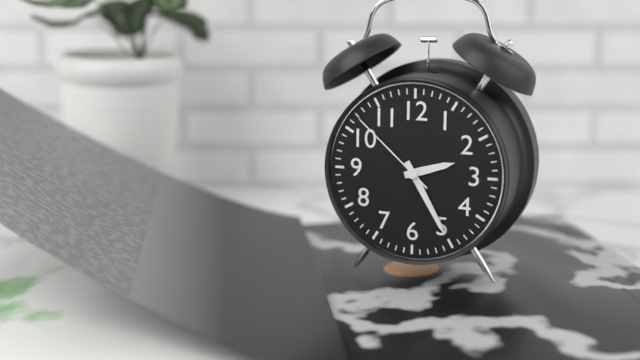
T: 2 h 25 min 52 s
